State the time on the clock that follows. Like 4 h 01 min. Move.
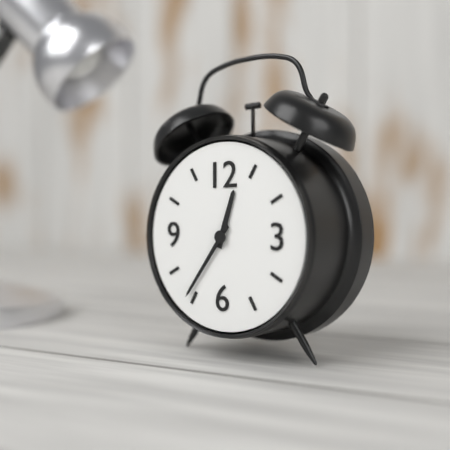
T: 12 h 36 min
